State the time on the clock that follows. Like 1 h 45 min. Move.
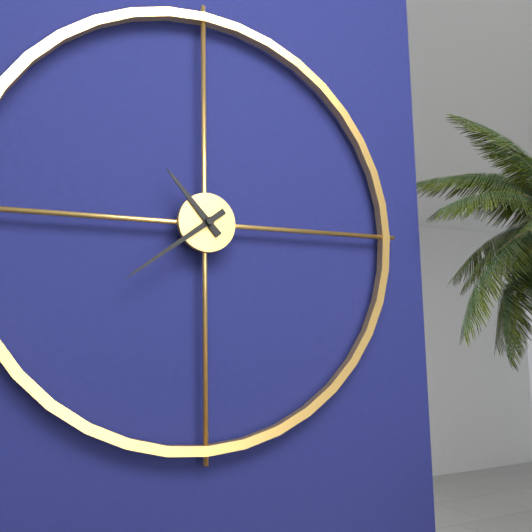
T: 10 h 39 min
